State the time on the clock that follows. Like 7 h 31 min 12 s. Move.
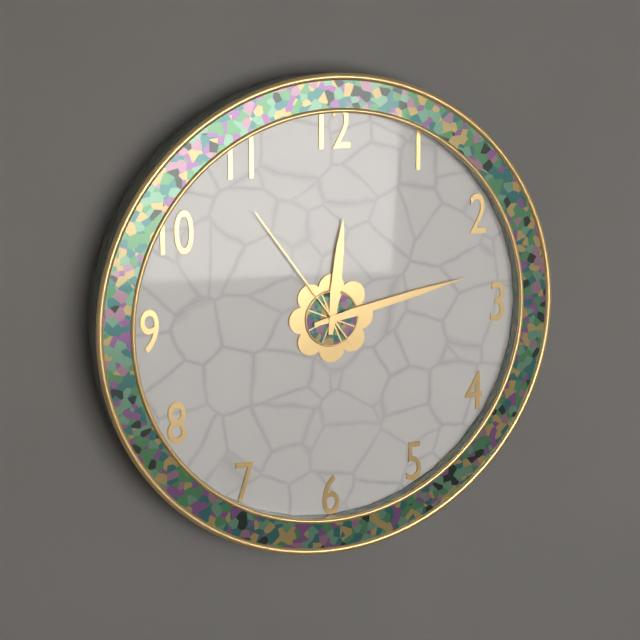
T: 12 h 13 min 54 s
